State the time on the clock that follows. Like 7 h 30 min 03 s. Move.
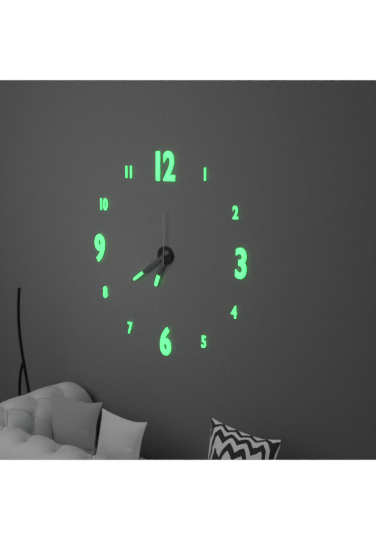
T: 6 h 39 min 00 s
